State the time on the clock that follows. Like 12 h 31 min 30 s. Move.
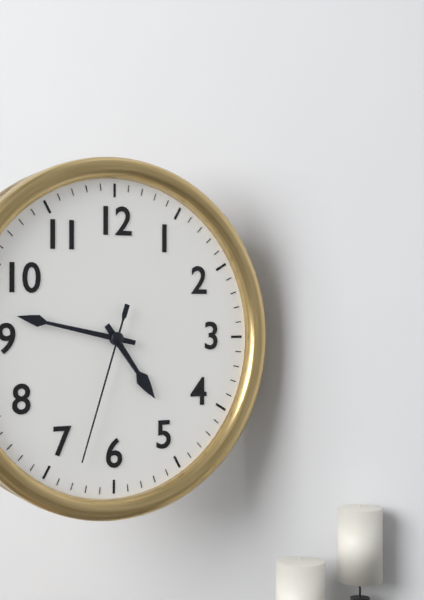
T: 4 h 47 min 33 s
